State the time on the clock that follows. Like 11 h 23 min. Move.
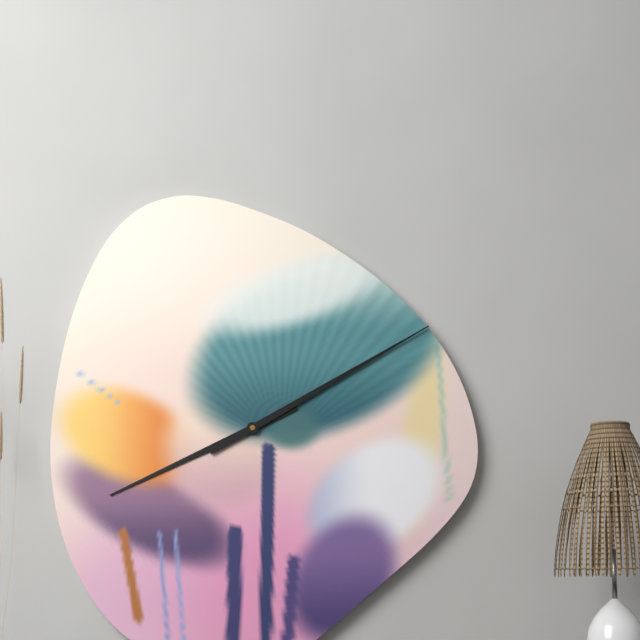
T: 8 h 10 min
